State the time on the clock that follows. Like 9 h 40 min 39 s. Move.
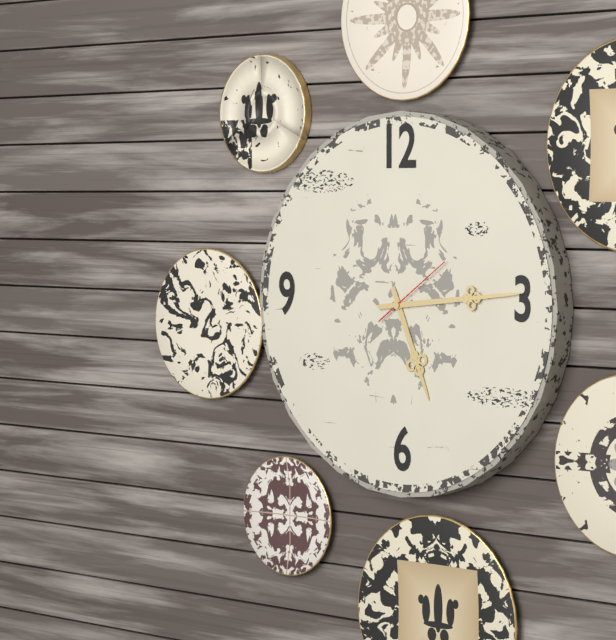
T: 5 h 14 min 09 s
